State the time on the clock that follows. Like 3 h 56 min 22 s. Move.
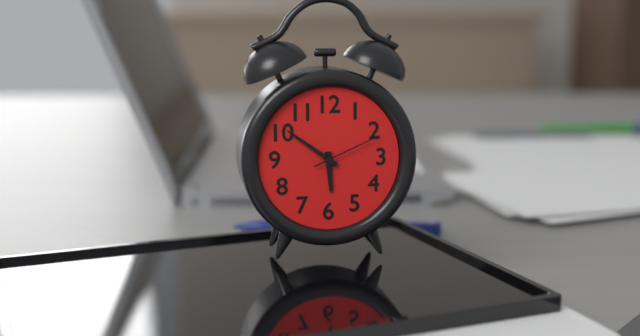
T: 5 h 51 min 11 s
